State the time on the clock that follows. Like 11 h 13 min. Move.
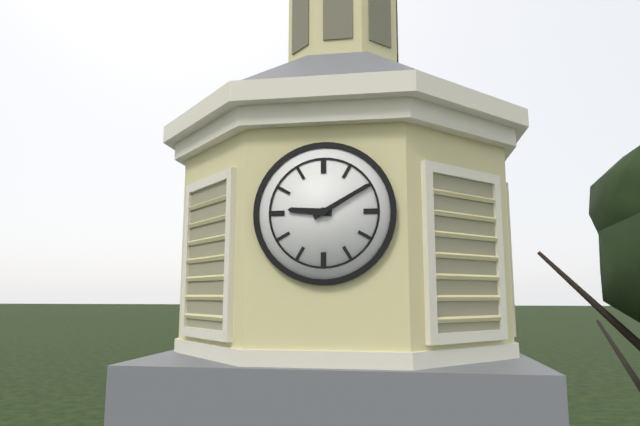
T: 9 h 10 min
